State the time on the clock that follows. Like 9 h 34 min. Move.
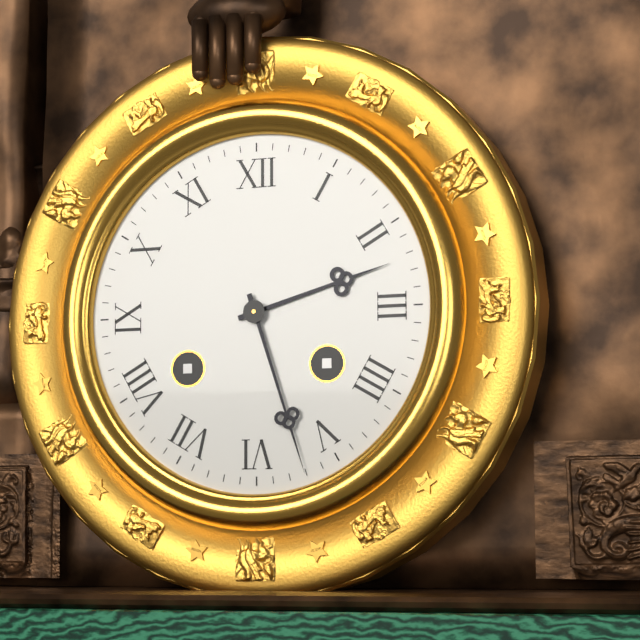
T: 2 h 27 min
